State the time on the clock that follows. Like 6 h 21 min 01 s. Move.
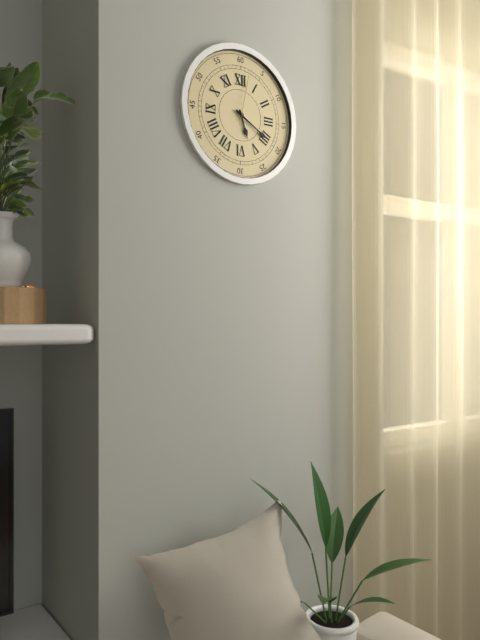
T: 5 h 20 min 02 s
